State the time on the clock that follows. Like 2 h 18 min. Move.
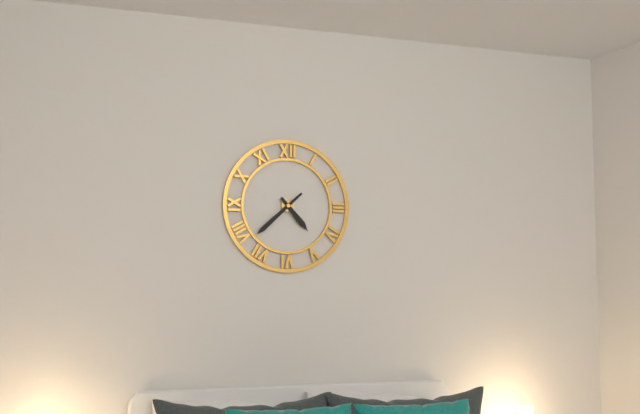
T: 4 h 38 min
